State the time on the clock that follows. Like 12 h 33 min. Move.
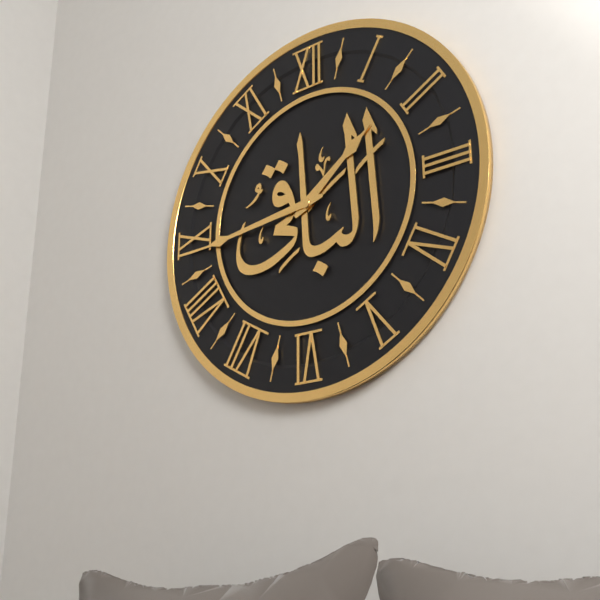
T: 1 h 44 min
